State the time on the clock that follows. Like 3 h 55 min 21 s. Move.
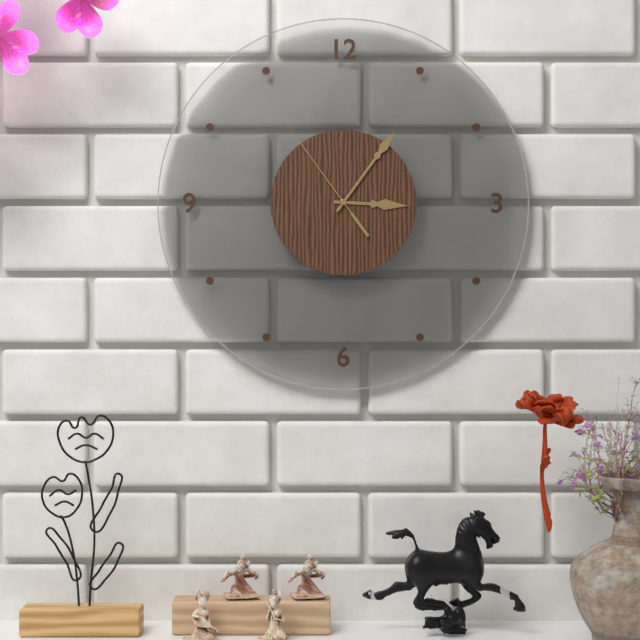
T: 3 h 06 min 54 s
